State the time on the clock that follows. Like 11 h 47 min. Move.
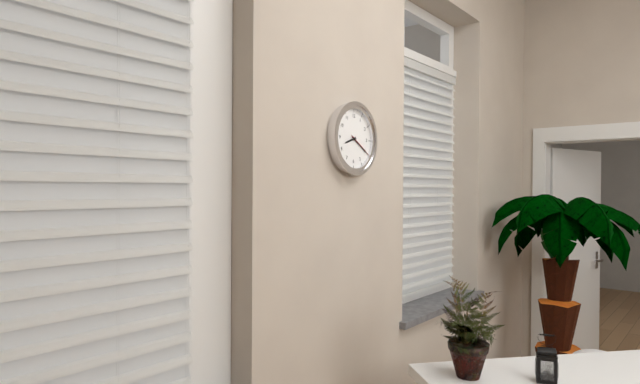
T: 8 h 20 min
